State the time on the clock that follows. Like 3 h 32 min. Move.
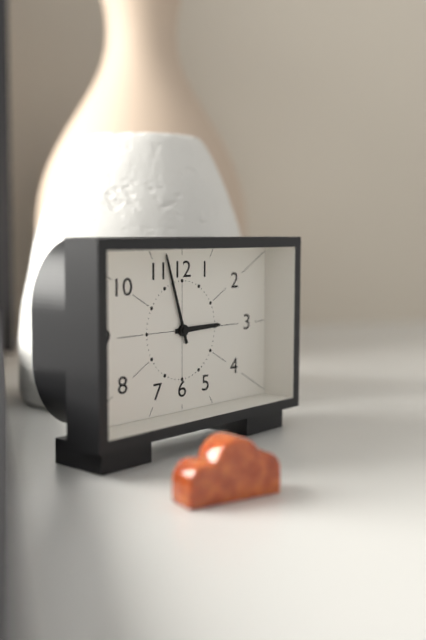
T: 2 h 57 min
